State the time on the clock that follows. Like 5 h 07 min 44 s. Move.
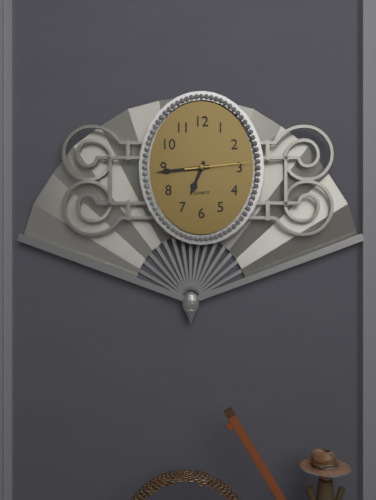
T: 6 h 44 min 14 s
